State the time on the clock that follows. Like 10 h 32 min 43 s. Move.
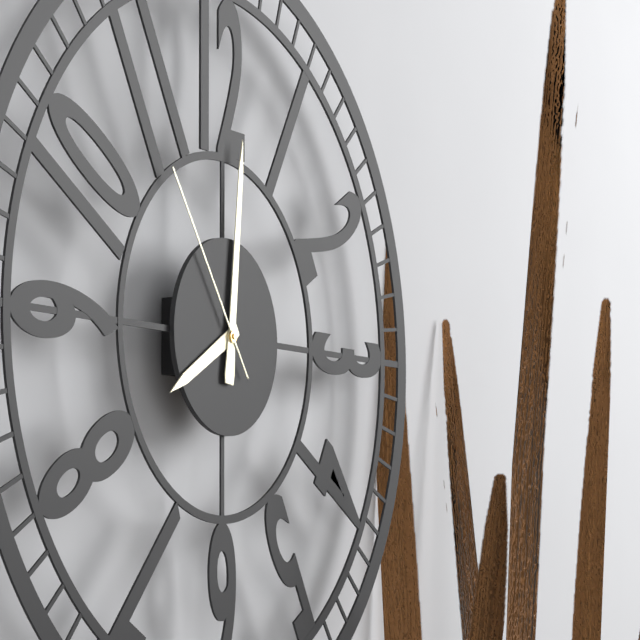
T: 8 h 01 min 54 s
